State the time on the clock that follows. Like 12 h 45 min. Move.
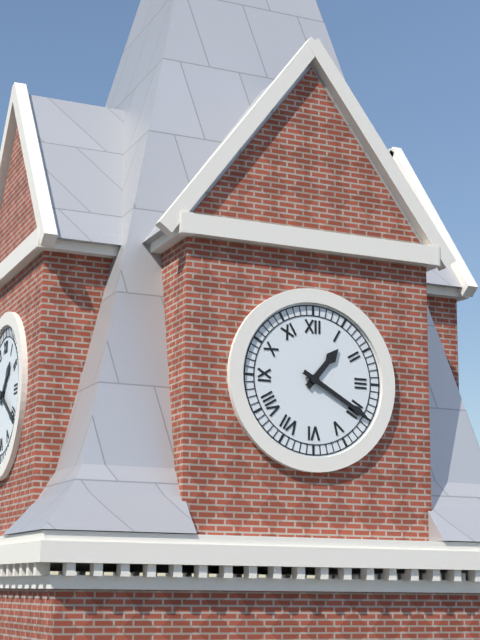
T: 1 h 20 min
